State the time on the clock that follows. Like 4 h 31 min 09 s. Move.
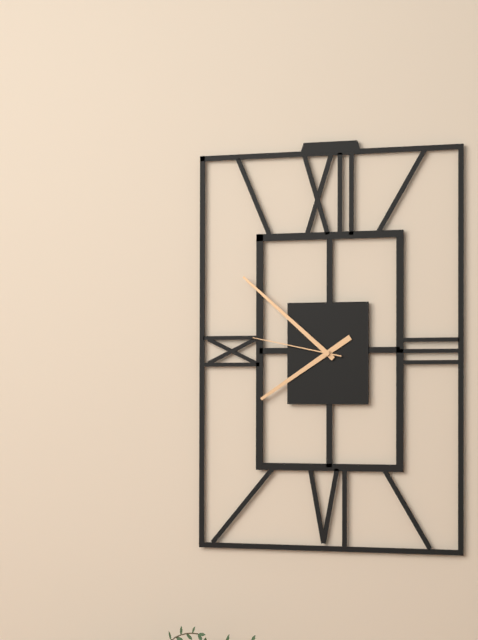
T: 7 h 52 min 47 s
